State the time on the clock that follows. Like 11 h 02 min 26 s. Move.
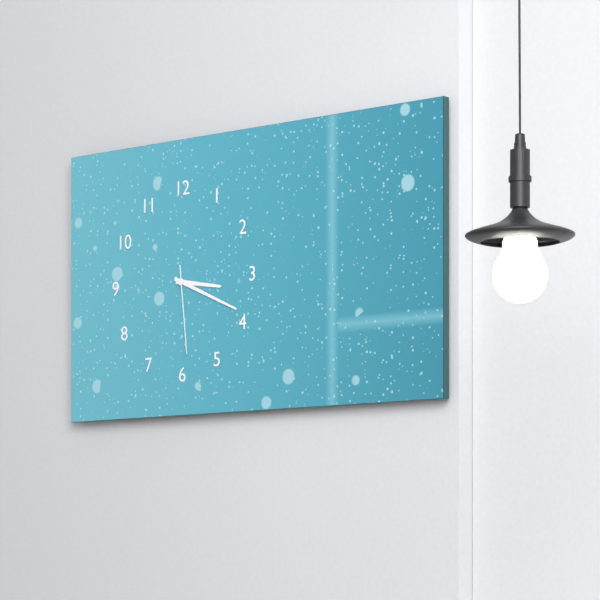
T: 3 h 19 min 29 s
